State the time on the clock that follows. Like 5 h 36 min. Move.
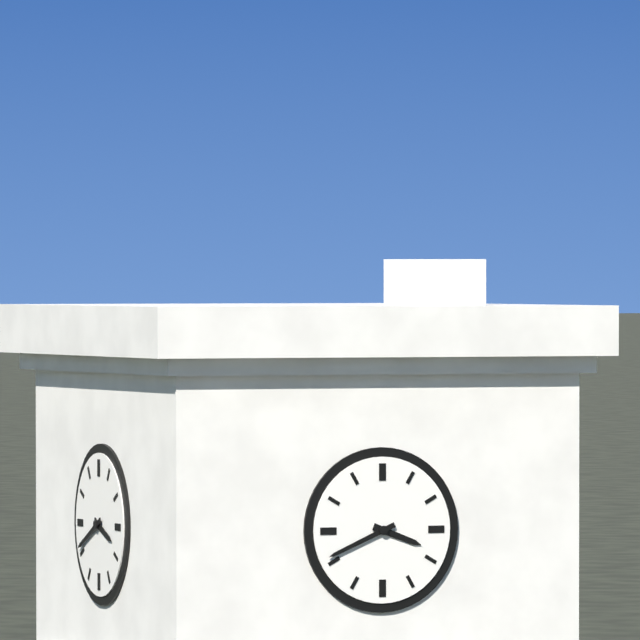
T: 3 h 41 min
